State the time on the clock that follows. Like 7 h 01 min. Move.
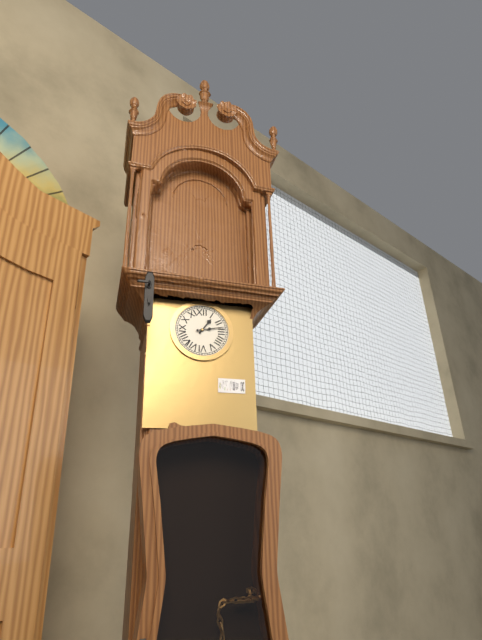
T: 1 h 13 min
